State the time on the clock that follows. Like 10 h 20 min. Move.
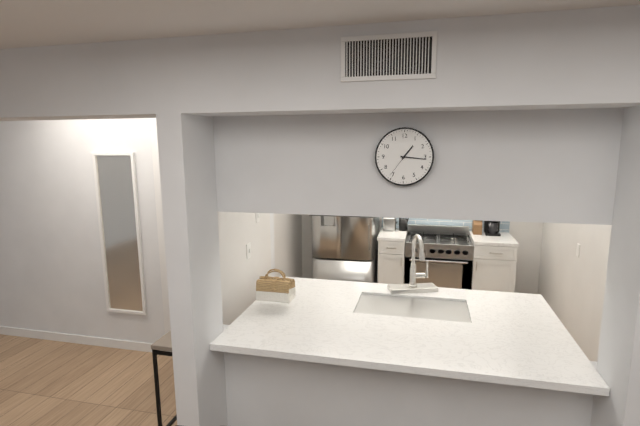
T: 1 h 16 min
